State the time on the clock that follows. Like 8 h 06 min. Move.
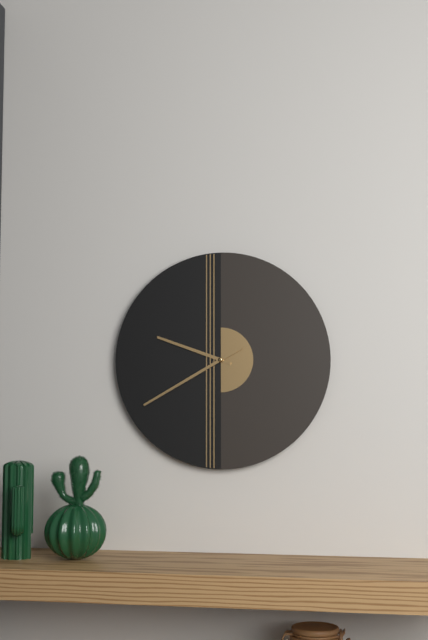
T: 9 h 40 min
